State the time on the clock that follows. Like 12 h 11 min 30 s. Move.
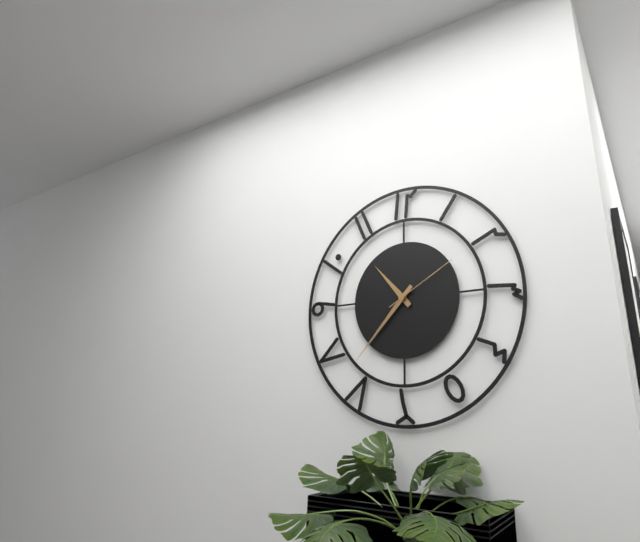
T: 10 h 37 min 10 s
